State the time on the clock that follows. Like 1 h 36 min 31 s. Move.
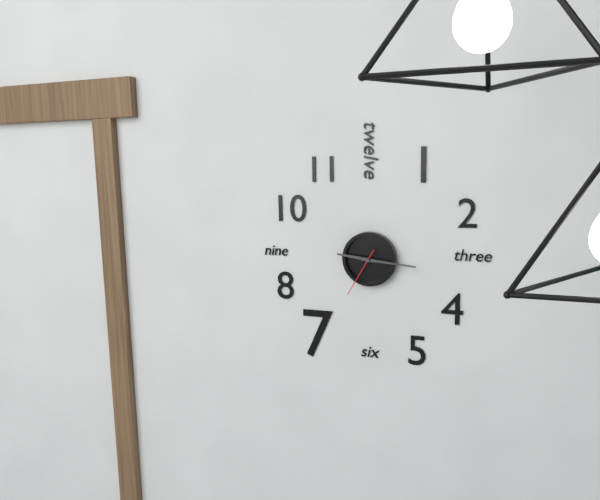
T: 9 h 16 min 35 s
